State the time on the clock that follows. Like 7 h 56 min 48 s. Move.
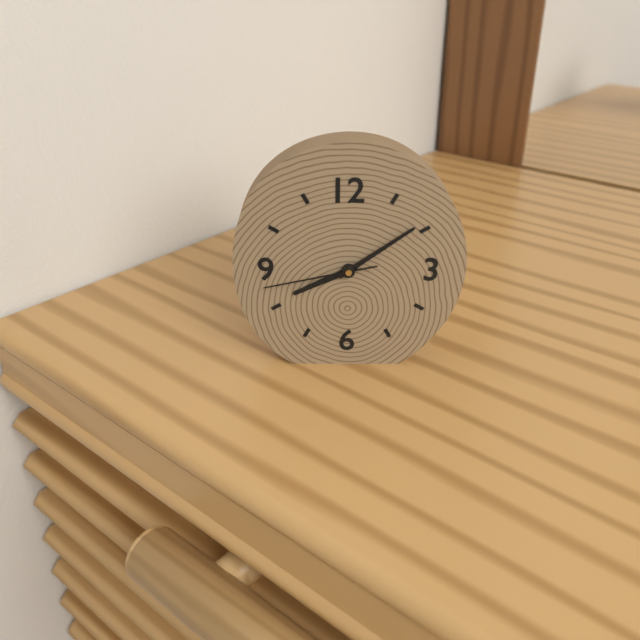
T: 8 h 09 min 43 s
